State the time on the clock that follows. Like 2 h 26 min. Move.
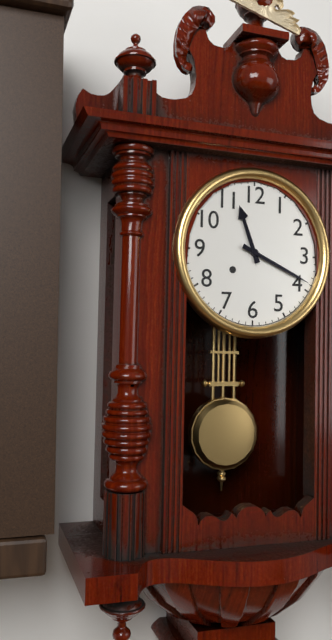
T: 11 h 19 min
